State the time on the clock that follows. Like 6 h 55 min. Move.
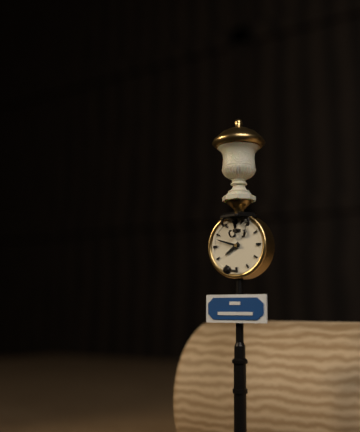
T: 7 h 48 min
